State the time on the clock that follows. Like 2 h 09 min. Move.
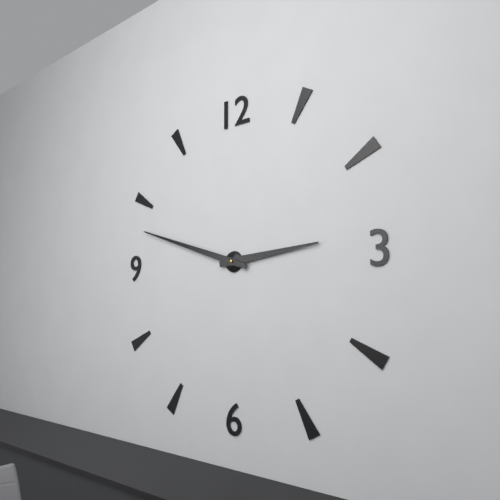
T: 2 h 48 min
